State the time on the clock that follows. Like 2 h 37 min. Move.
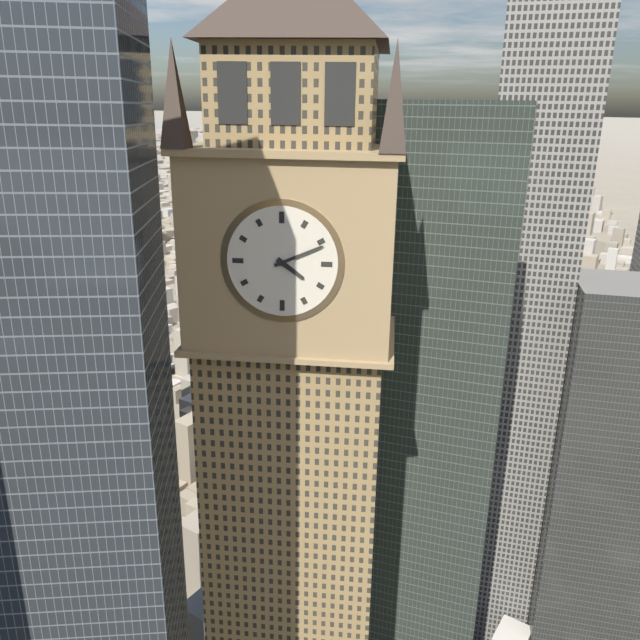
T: 4 h 11 min
